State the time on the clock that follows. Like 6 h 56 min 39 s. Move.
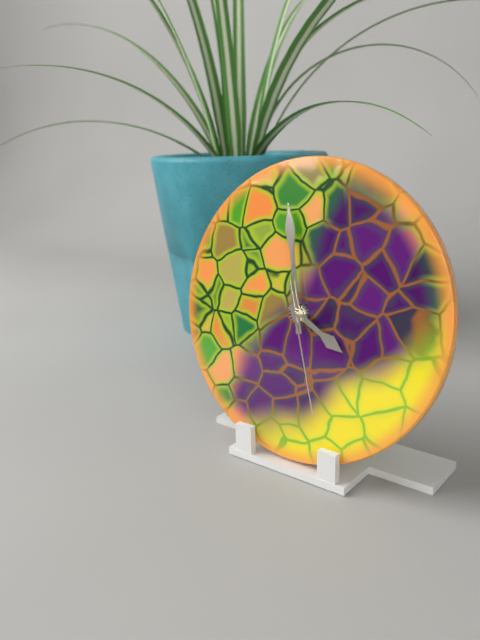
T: 3 h 58 min 27 s
